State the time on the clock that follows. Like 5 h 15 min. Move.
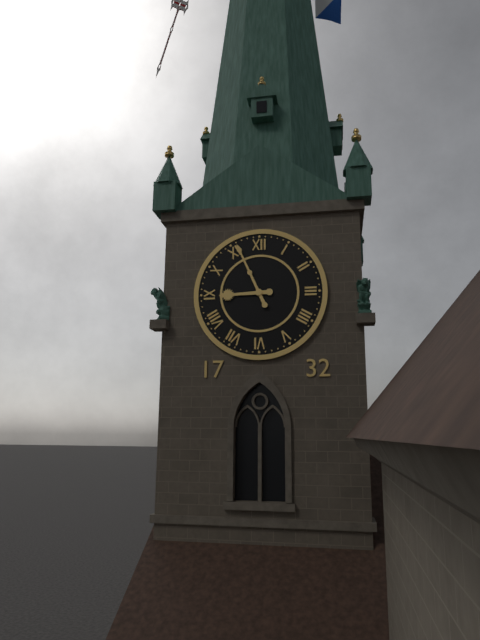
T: 8 h 56 min
